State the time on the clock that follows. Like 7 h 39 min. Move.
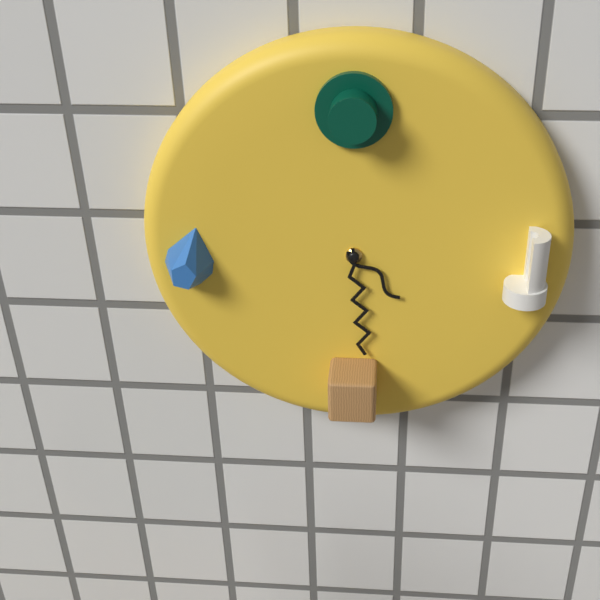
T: 4 h 29 min
